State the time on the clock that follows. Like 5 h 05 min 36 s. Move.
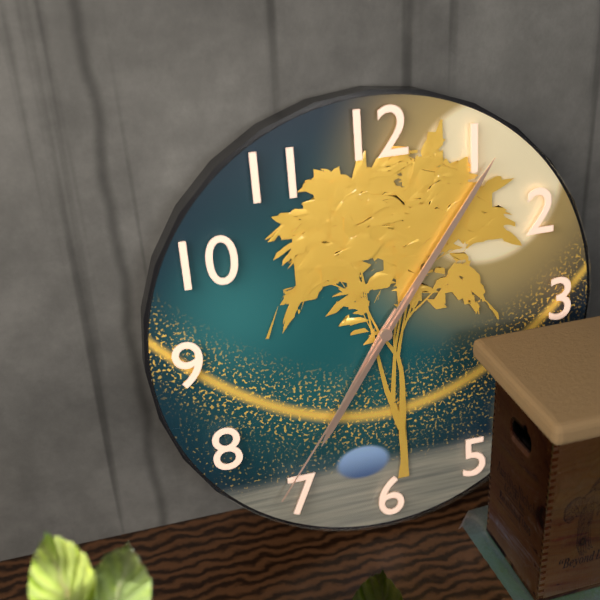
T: 7 h 06 min 36 s
